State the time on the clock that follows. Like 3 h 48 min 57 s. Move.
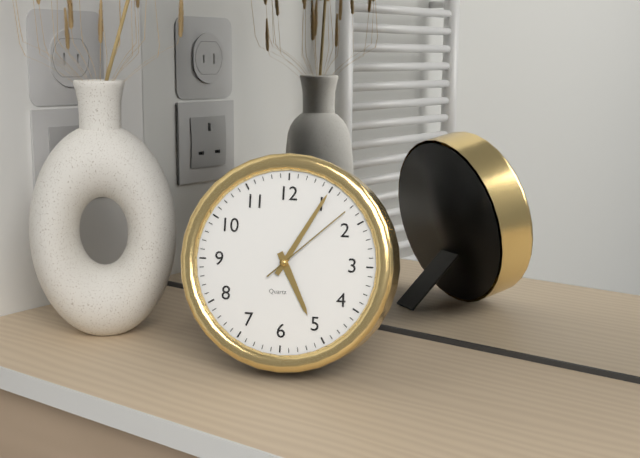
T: 5 h 05 min 08 s
